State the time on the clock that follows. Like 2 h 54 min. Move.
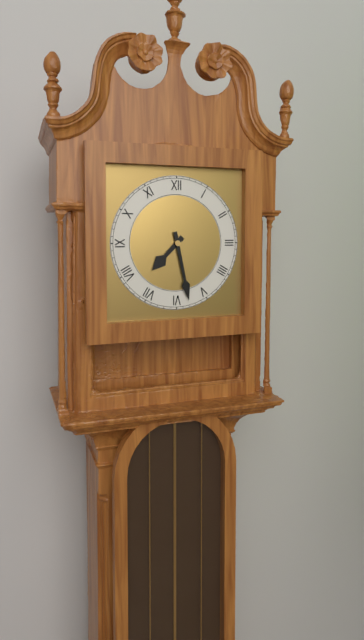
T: 7 h 28 min
